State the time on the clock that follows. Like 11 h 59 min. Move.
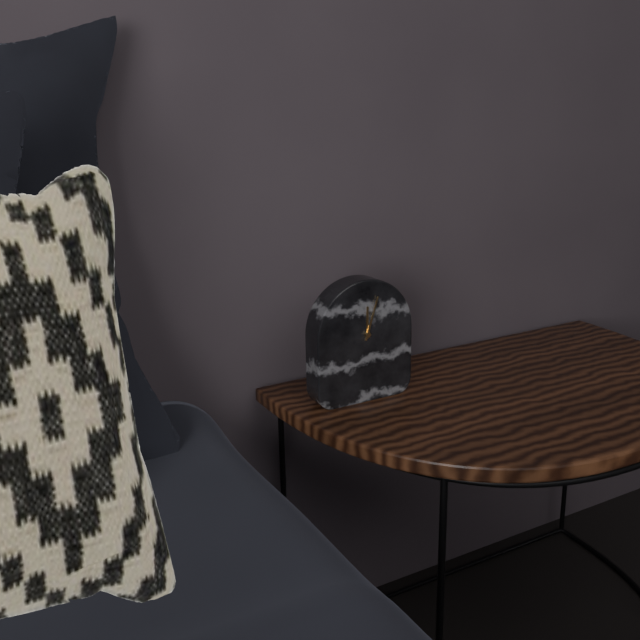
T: 12 h 03 min
